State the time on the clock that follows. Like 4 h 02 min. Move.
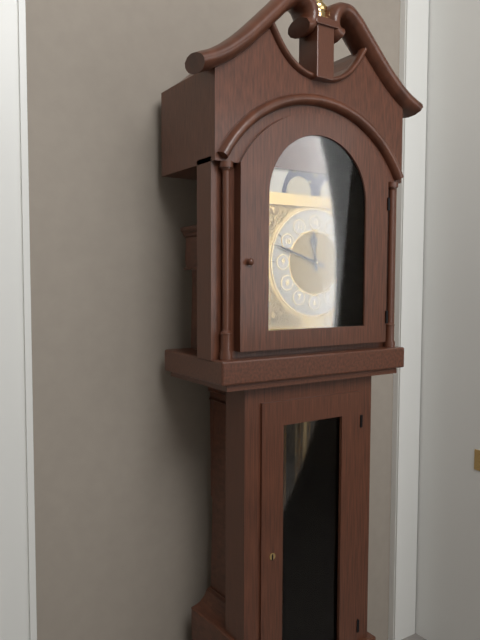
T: 11 h 48 min
